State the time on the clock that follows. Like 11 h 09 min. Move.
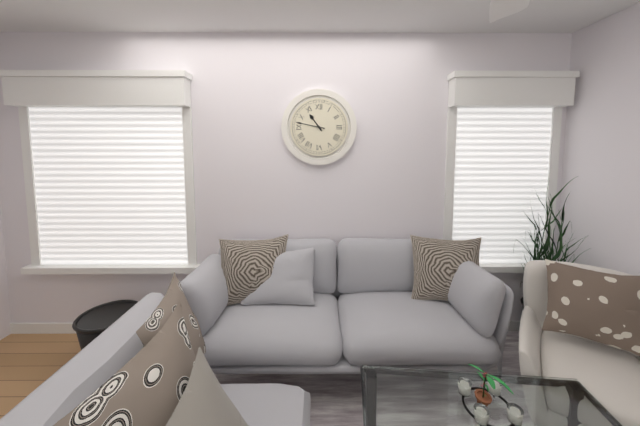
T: 10 h 47 min
